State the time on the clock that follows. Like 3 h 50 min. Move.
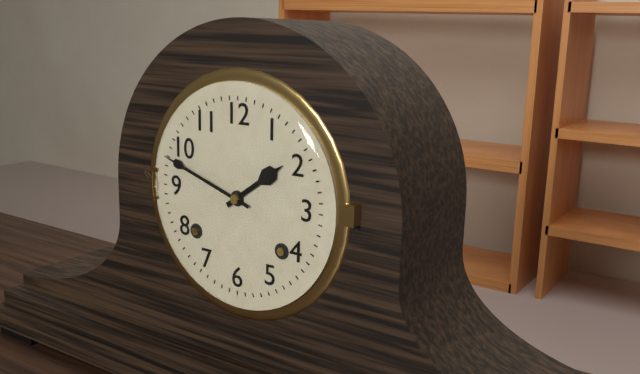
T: 1 h 48 min
